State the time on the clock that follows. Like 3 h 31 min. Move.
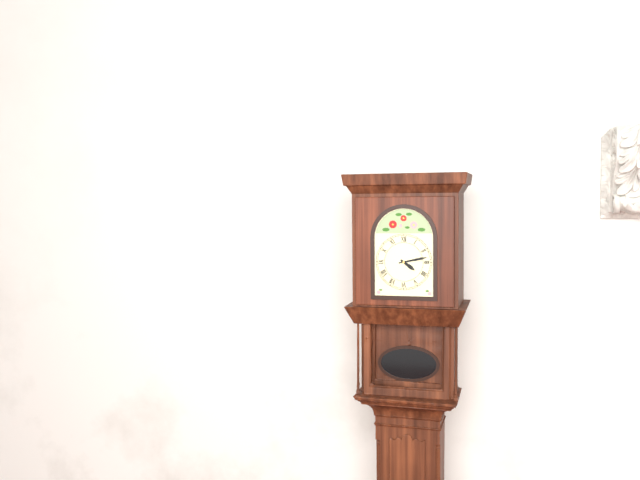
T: 4 h 13 min
